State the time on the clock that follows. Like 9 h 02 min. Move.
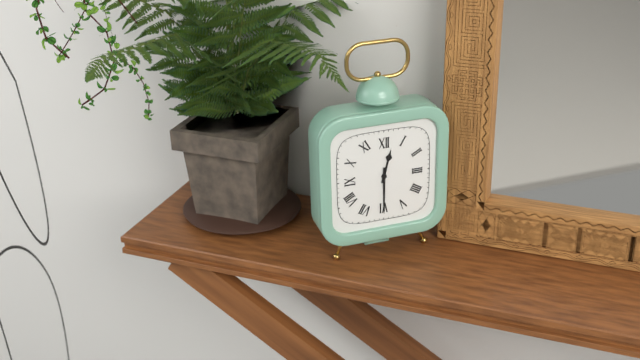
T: 12 h 30 min
